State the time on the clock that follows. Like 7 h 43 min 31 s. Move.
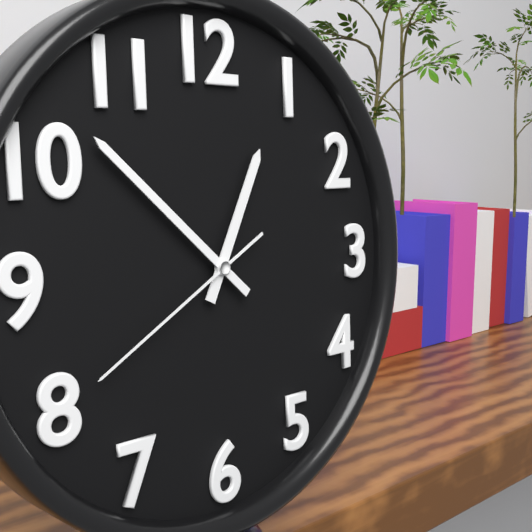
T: 12 h 52 min 40 s
